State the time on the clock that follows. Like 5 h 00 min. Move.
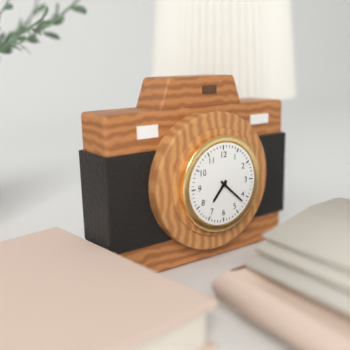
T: 7 h 22 min
